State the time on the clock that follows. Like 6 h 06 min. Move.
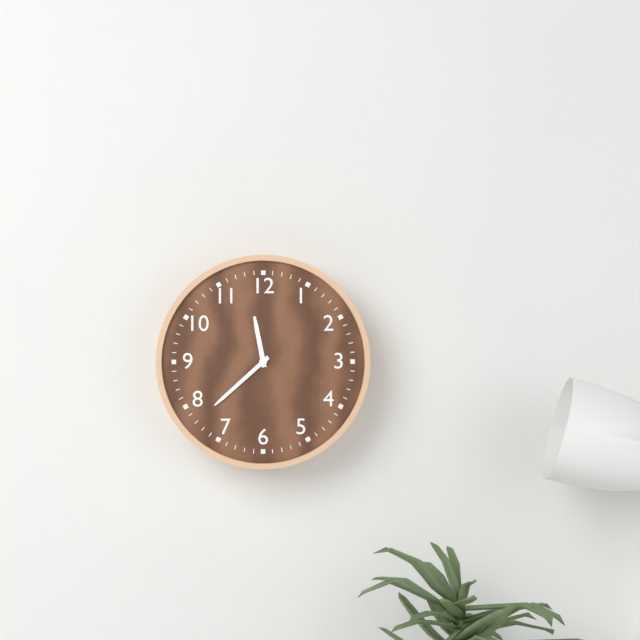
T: 11 h 38 min
